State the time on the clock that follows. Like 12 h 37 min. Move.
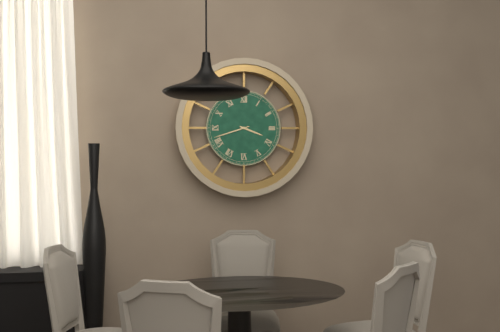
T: 3 h 42 min
